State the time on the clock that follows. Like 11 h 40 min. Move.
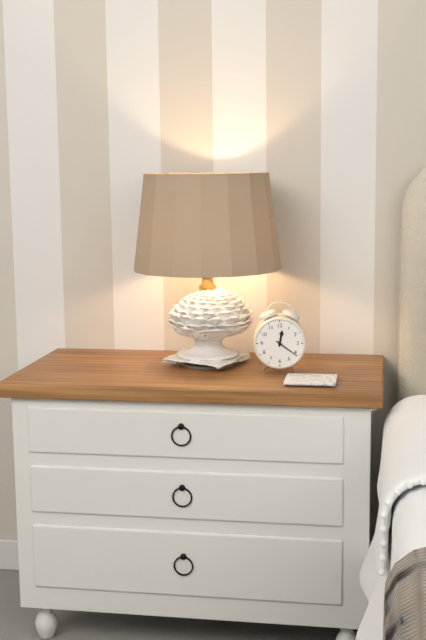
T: 12 h 21 min
